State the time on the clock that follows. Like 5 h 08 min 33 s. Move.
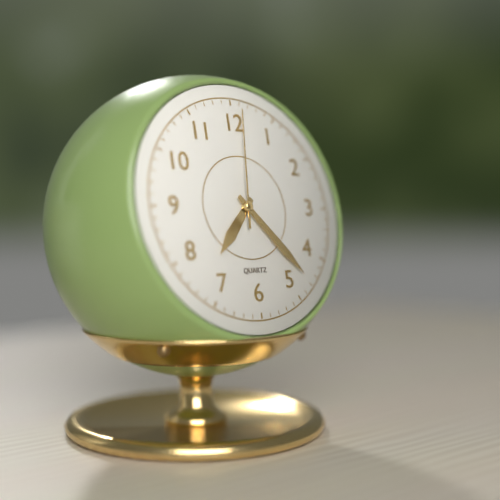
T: 7 h 23 min 01 s
